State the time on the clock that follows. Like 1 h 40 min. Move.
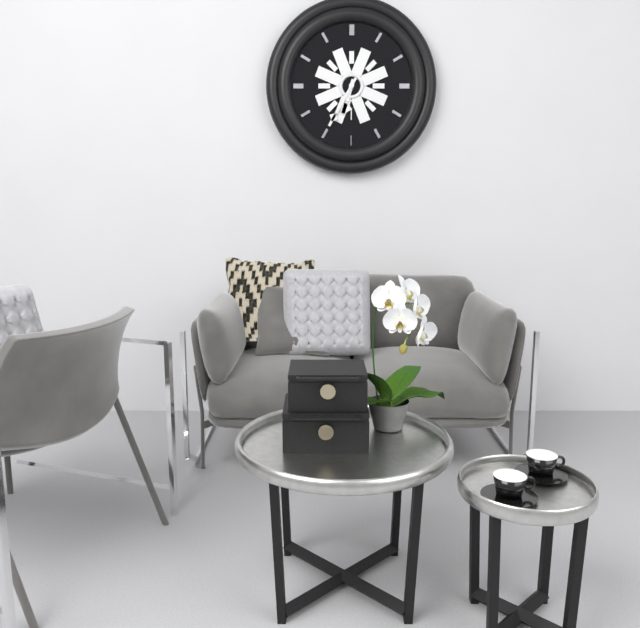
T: 6 h 35 min
